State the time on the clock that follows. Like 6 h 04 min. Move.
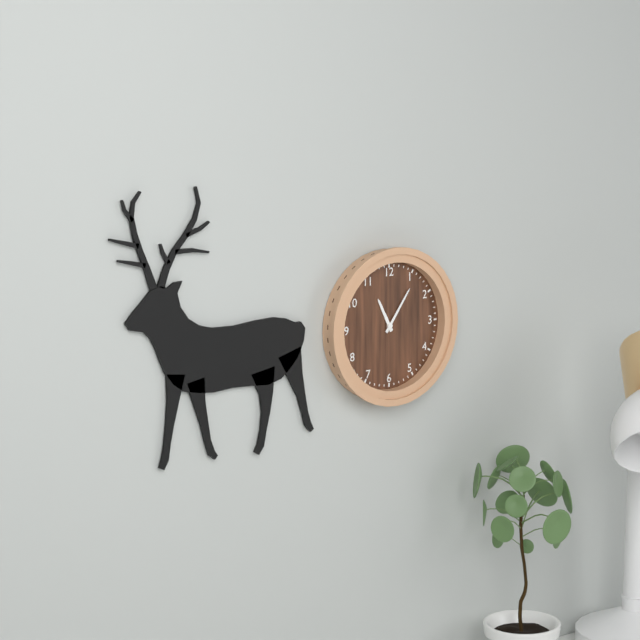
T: 11 h 06 min
